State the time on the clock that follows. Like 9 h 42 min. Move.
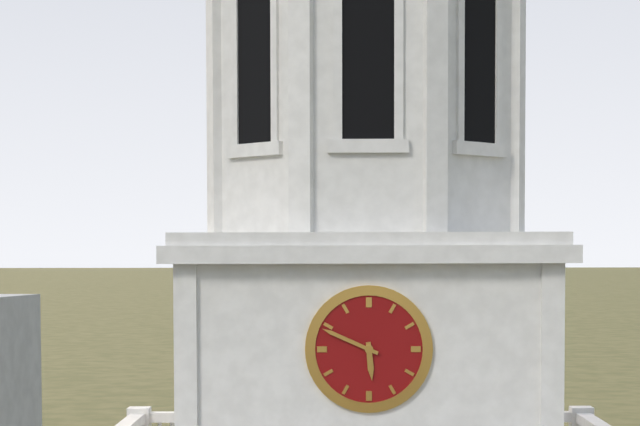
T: 5 h 49 min
